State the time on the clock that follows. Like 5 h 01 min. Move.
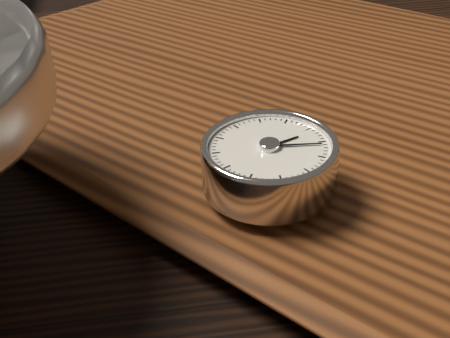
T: 2 h 16 min
